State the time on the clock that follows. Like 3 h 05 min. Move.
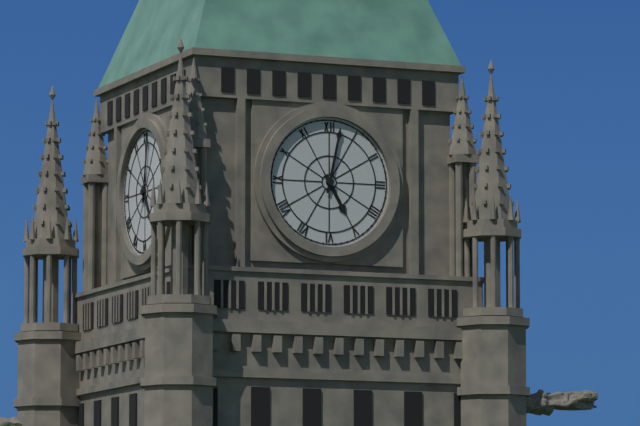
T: 5 h 02 min
